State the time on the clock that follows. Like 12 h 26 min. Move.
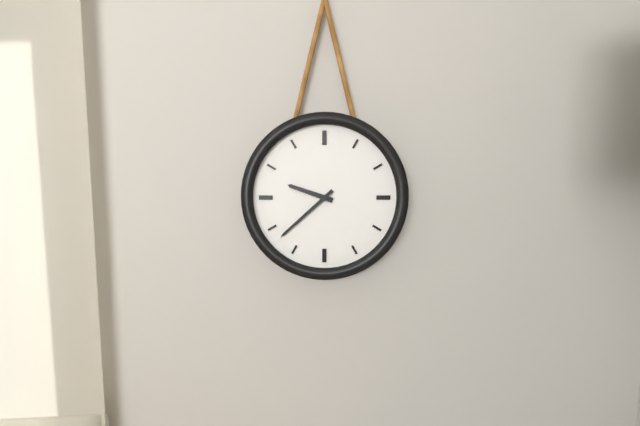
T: 9 h 38 min
